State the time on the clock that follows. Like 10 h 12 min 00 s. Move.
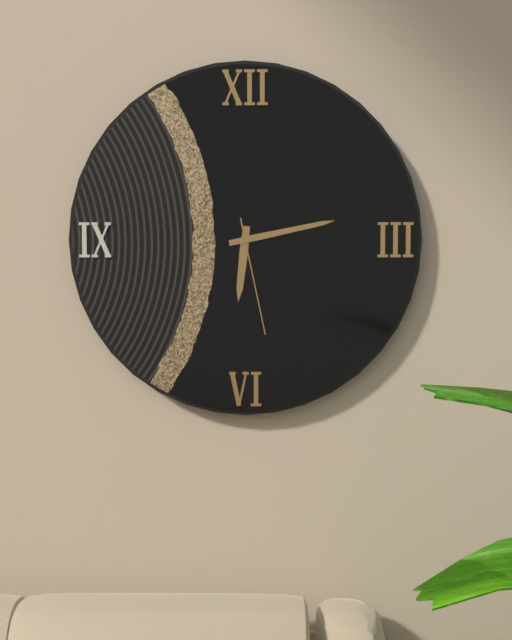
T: 6 h 13 min 28 s
